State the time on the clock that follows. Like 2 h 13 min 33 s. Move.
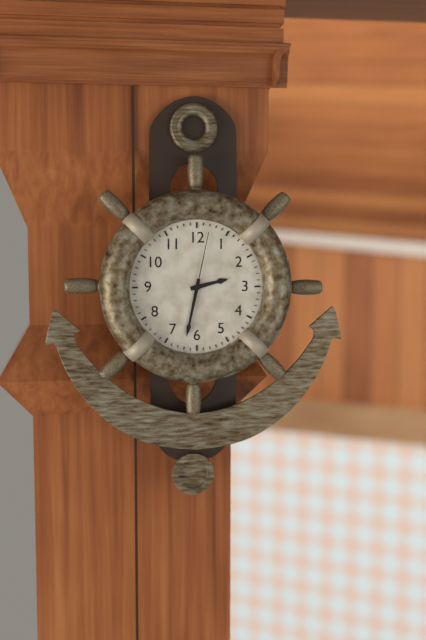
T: 2 h 32 min 02 s
